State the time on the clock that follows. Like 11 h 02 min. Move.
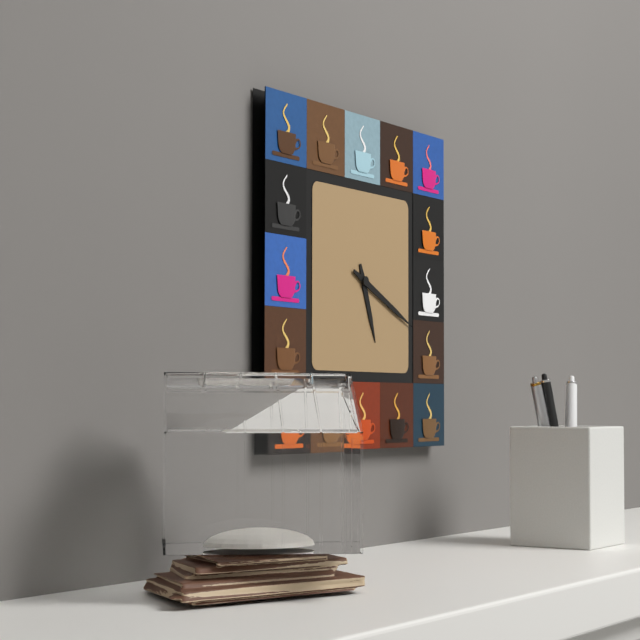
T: 5 h 19 min
